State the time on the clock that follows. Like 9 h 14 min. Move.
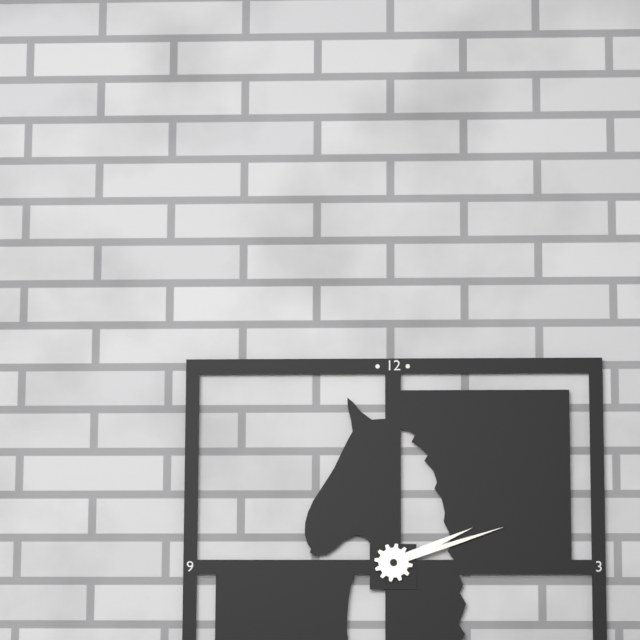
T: 2 h 12 min
